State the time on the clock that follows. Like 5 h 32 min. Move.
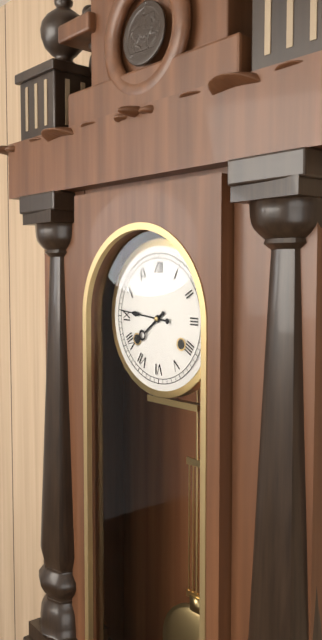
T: 7 h 46 min
